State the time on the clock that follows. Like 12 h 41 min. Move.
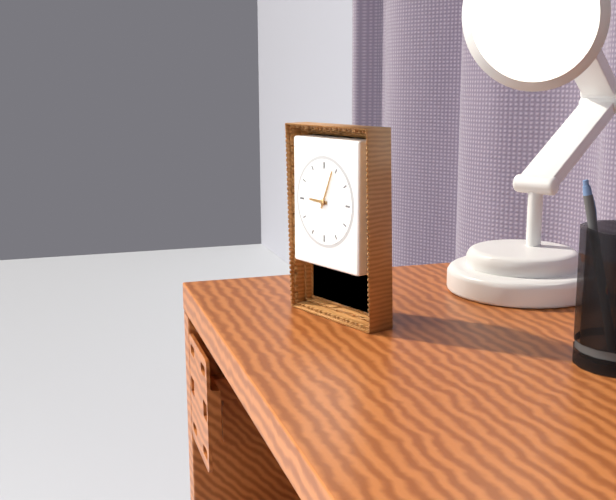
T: 9 h 04 min
